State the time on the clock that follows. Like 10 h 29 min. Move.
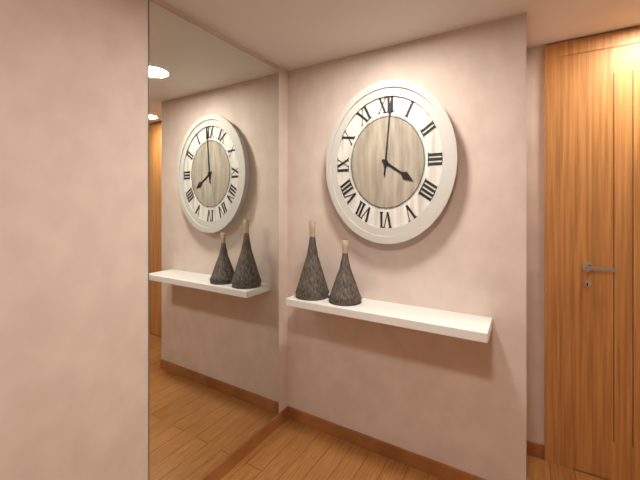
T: 4 h 01 min
